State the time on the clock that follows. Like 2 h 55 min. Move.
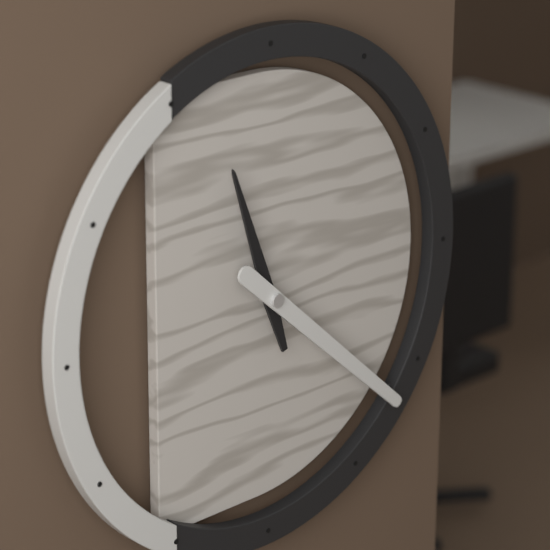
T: 11 h 22 min
